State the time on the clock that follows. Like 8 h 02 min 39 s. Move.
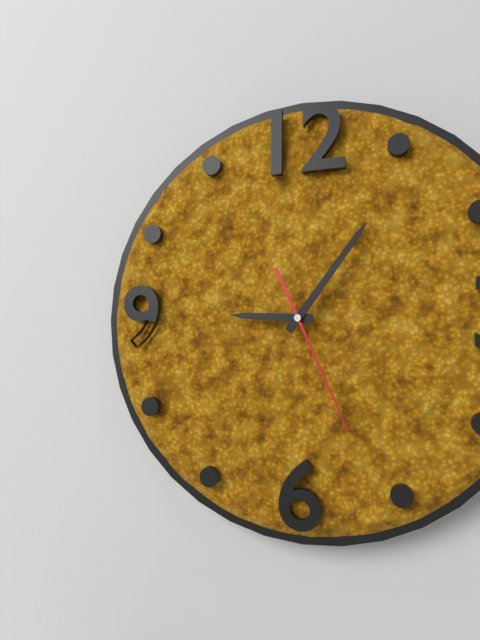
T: 9 h 06 min 26 s
